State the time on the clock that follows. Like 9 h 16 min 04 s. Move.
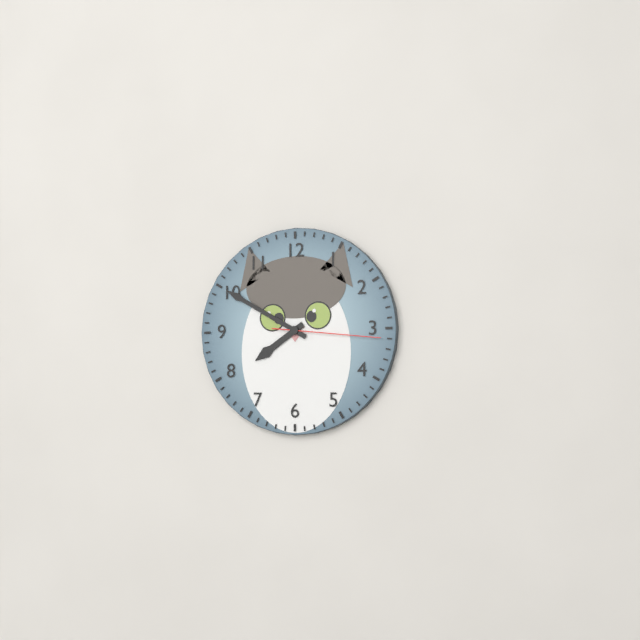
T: 7 h 50 min 16 s
